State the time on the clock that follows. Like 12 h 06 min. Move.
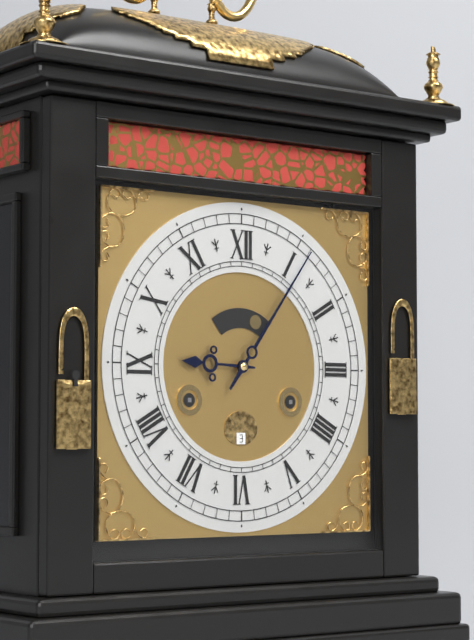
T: 9 h 06 min
